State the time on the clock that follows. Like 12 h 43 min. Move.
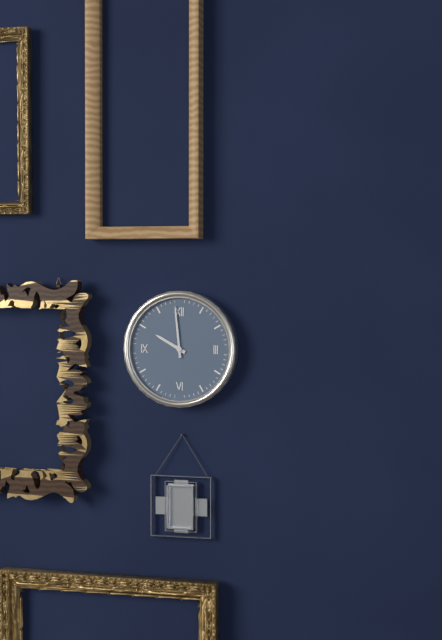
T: 9 h 59 min
